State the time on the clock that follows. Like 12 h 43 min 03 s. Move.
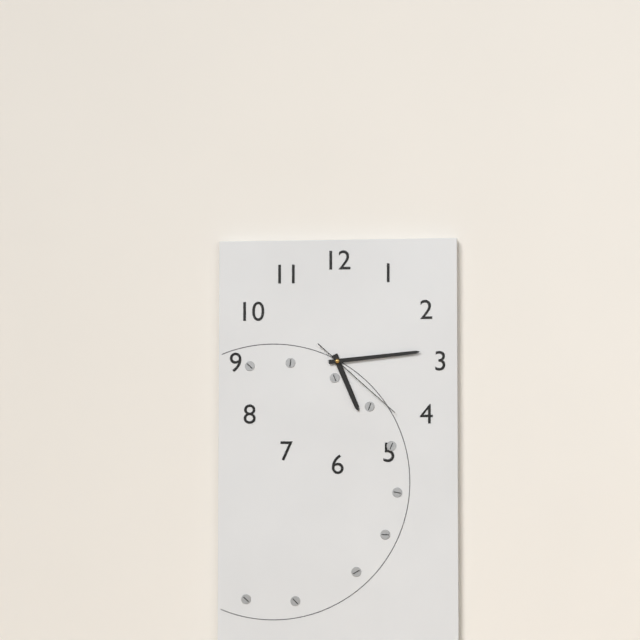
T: 5 h 14 min 22 s
